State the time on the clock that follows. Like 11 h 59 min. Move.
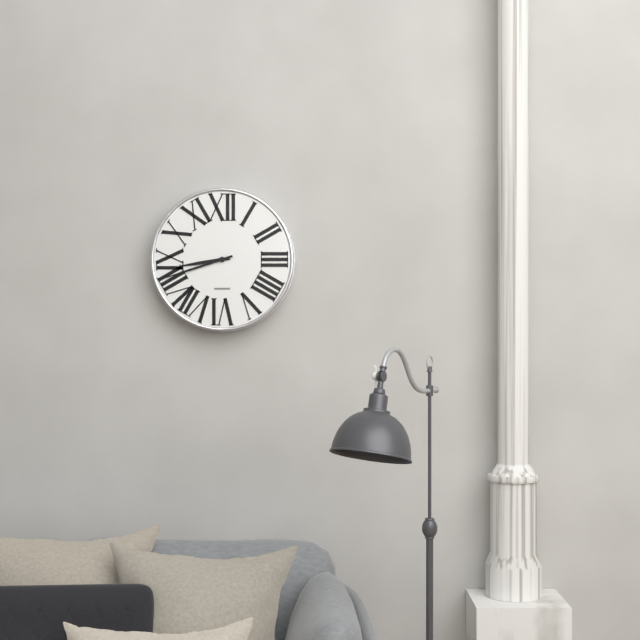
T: 8 h 42 min
